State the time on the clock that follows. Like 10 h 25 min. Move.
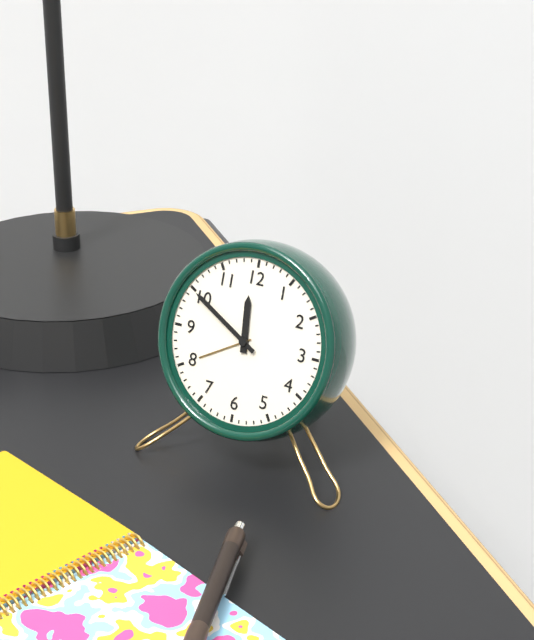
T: 11 h 50 min
